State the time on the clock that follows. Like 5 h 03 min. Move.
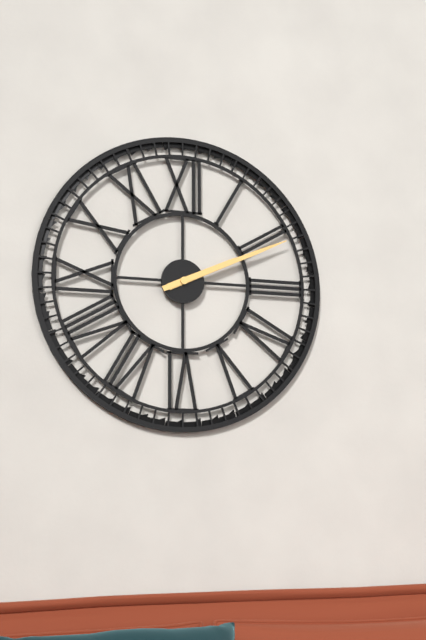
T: 2 h 11 min
